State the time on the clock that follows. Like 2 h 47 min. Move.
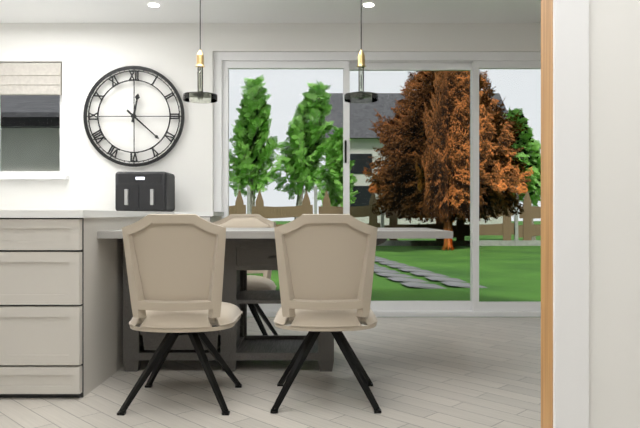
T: 12 h 22 min
